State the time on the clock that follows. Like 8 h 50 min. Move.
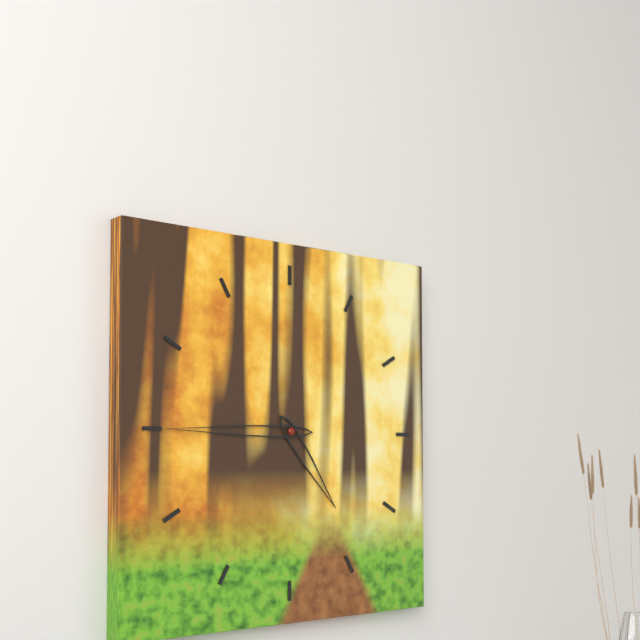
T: 4 h 45 min
